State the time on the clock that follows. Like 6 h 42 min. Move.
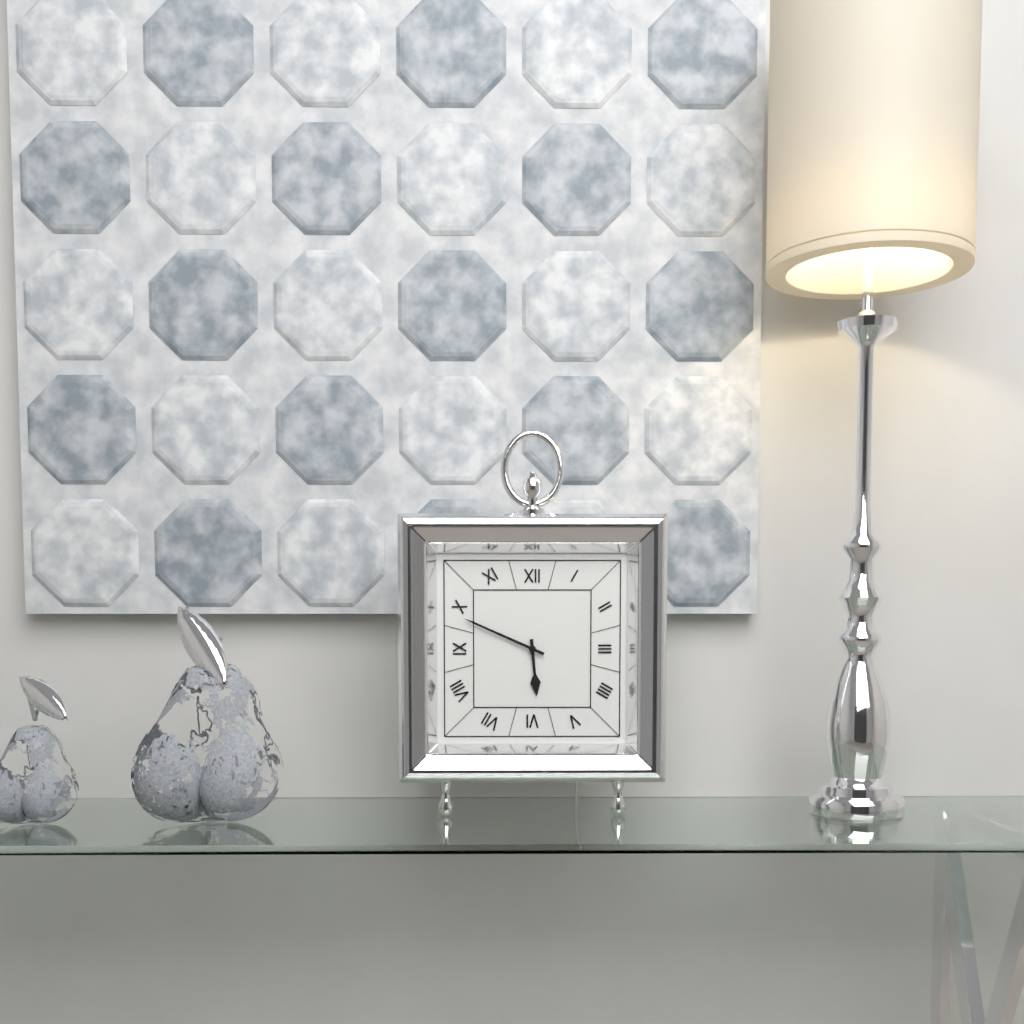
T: 5 h 49 min
